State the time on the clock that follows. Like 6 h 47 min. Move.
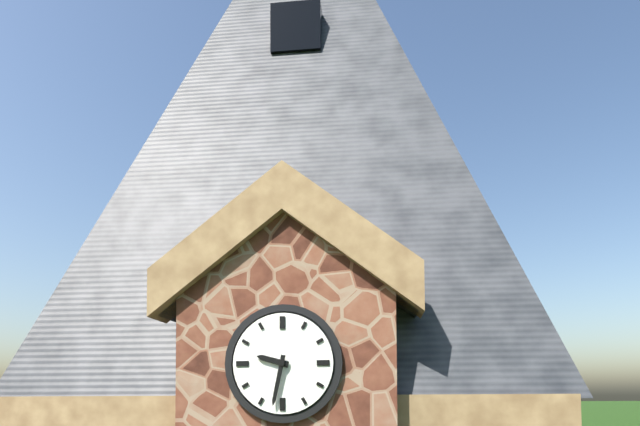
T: 9 h 32 min
